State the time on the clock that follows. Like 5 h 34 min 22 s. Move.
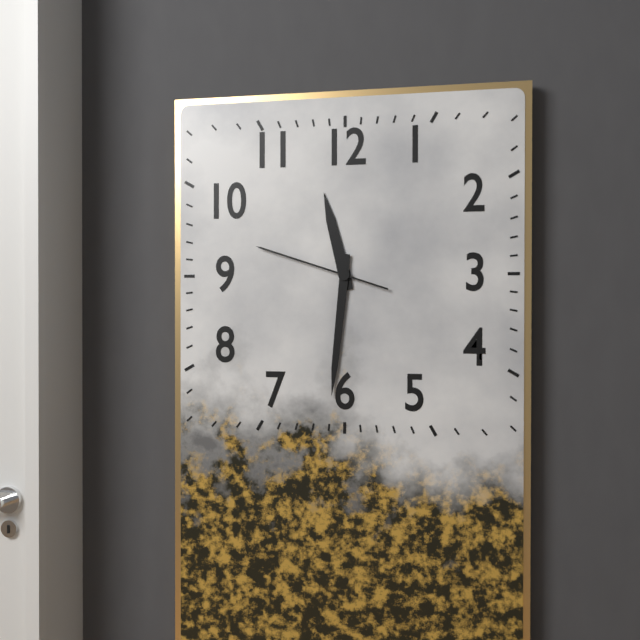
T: 11 h 31 min 48 s
